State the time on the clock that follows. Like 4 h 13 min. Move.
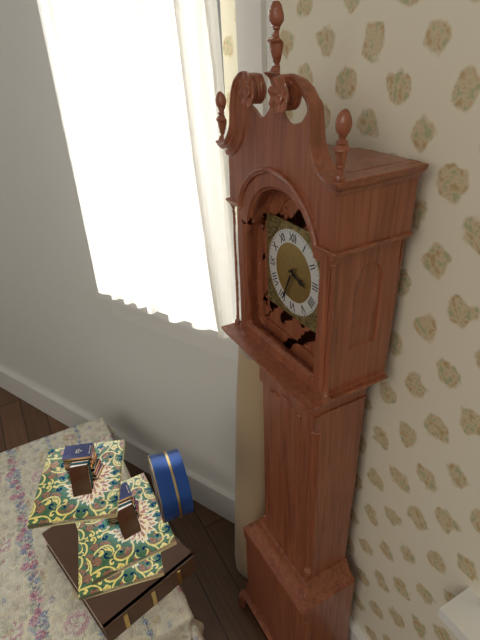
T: 3 h 34 min
